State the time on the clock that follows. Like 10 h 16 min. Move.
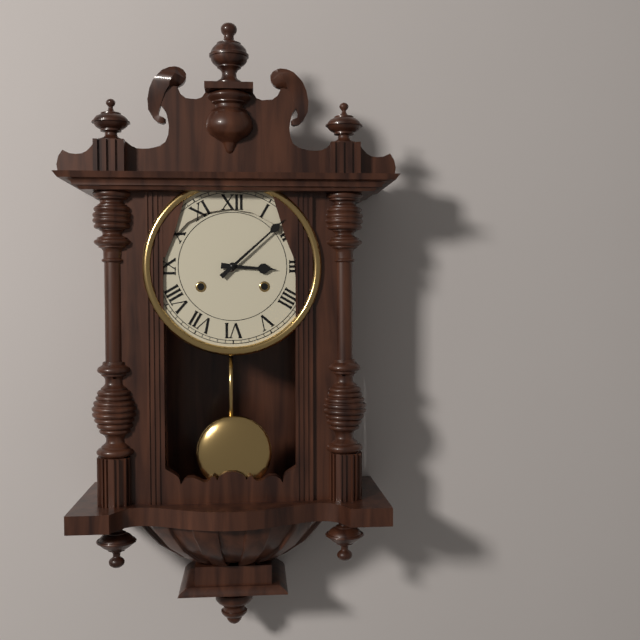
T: 3 h 08 min
